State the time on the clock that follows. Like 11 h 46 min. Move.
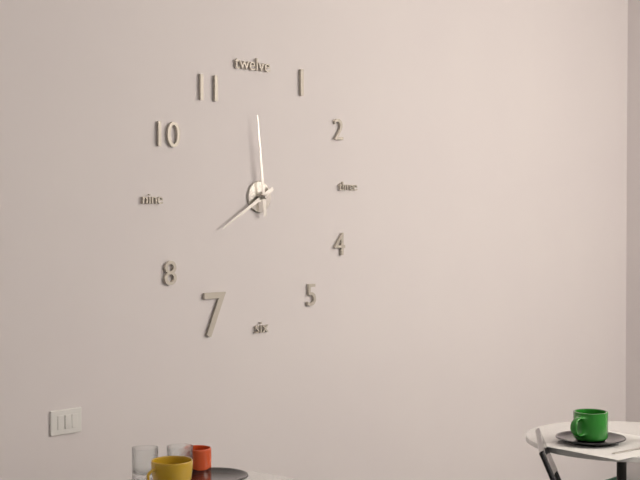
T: 7 h 59 min
